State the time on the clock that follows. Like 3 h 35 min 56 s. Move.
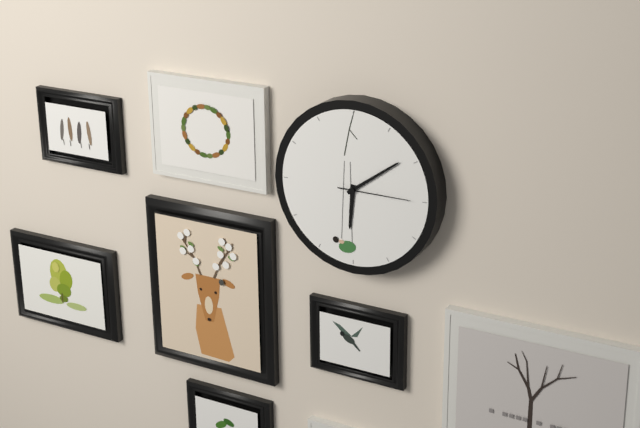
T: 6 h 09 min 15 s
